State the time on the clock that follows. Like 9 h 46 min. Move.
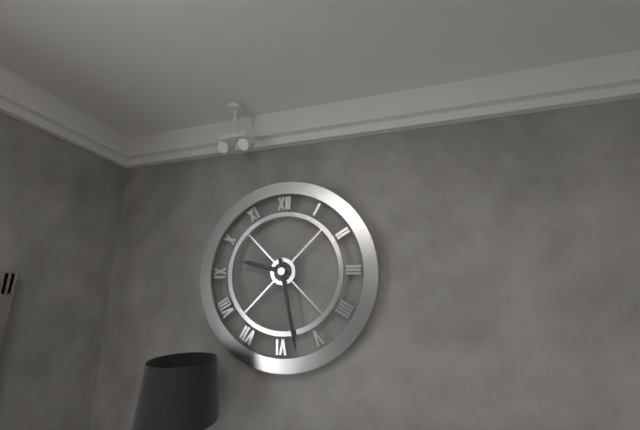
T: 9 h 28 min
